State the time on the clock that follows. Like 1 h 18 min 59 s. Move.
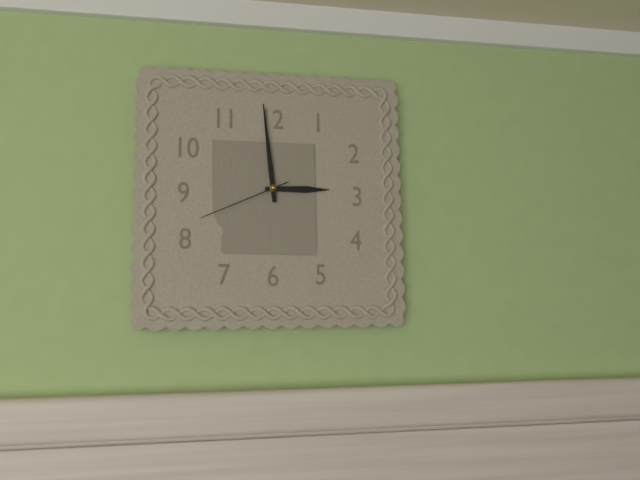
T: 2 h 59 min 41 s
